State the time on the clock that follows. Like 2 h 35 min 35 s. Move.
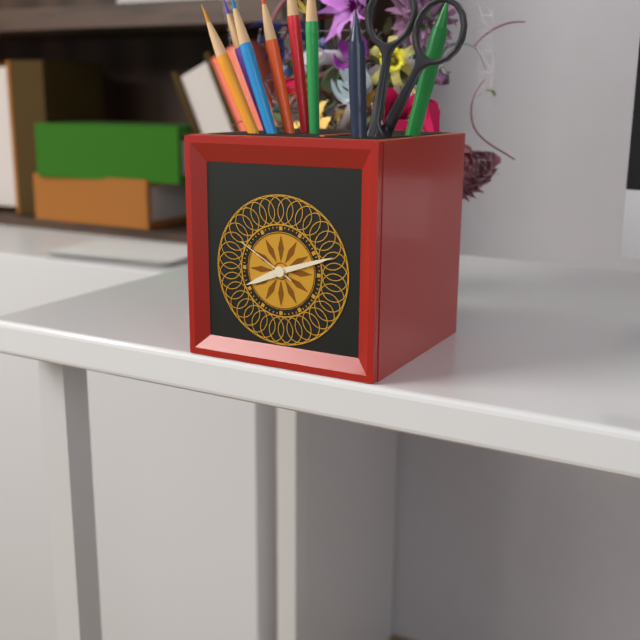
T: 8 h 12 min 50 s
